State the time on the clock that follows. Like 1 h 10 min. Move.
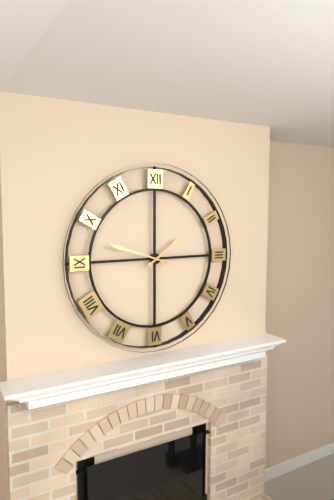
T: 1 h 48 min
